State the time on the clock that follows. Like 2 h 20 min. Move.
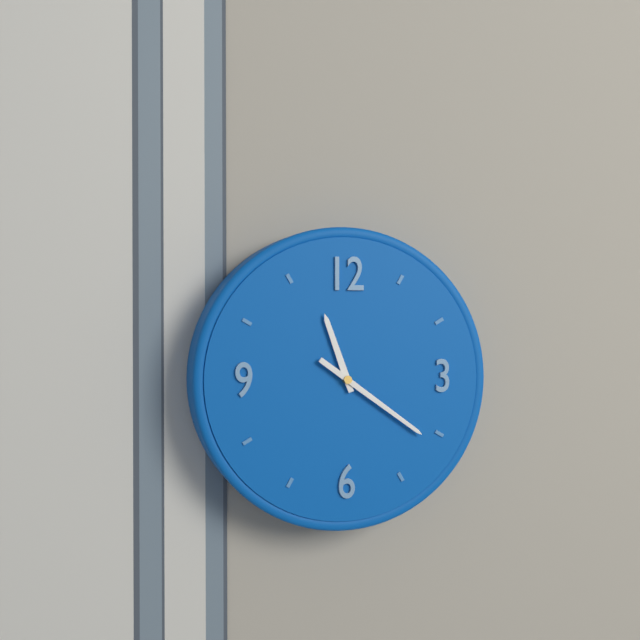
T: 11 h 21 min
